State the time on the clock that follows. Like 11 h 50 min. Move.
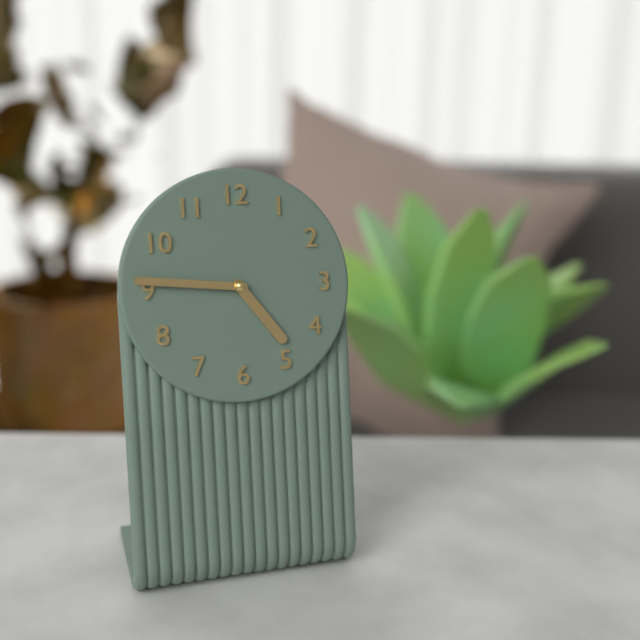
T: 4 h 46 min
